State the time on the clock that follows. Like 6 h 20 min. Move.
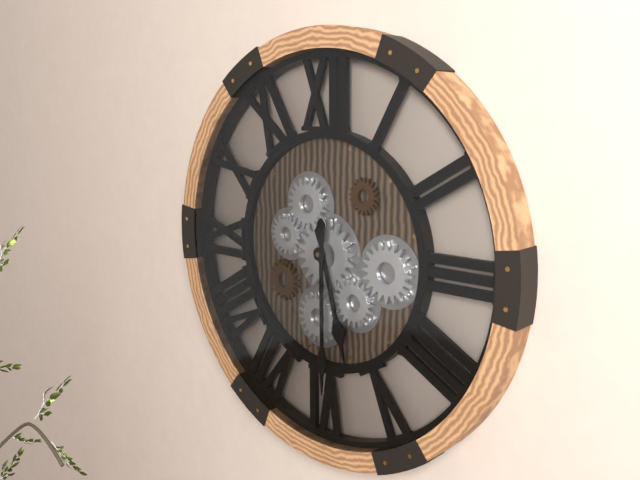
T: 5 h 30 min
